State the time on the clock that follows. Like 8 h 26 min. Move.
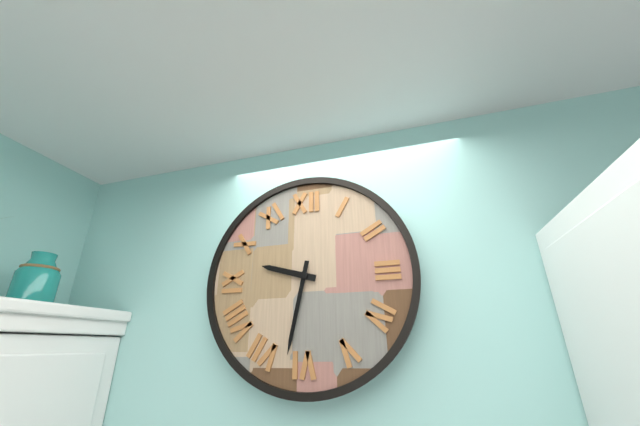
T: 9 h 32 min
